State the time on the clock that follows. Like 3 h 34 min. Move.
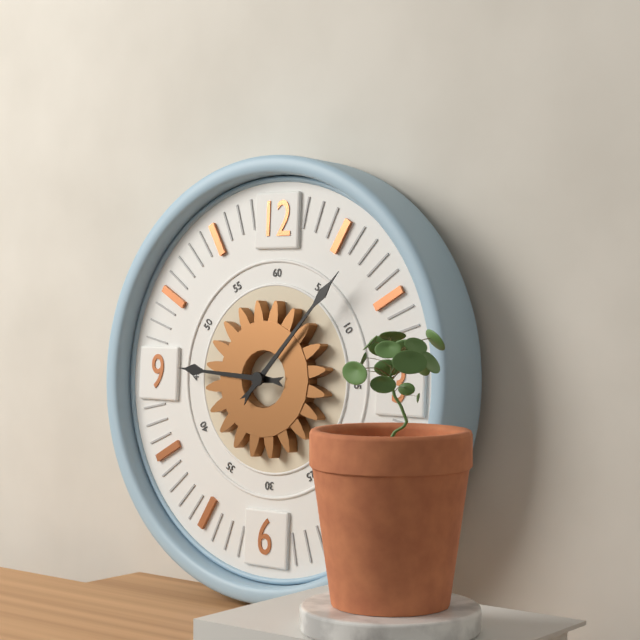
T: 9 h 07 min
